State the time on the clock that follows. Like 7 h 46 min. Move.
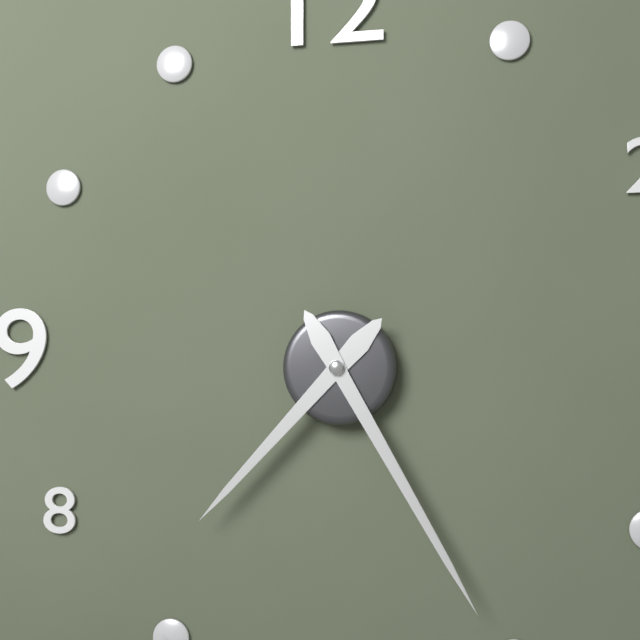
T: 7 h 25 min
